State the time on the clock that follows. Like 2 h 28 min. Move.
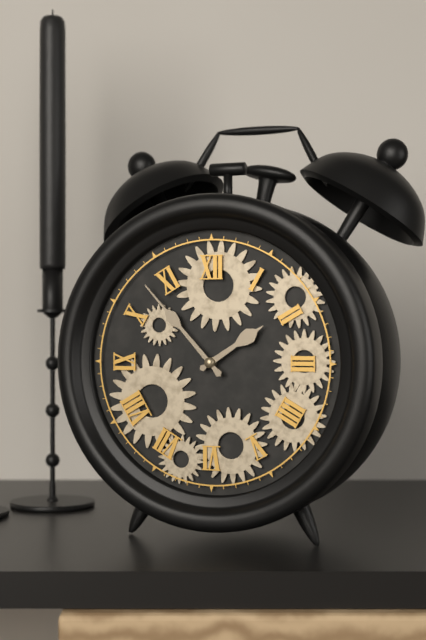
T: 1 h 53 min
